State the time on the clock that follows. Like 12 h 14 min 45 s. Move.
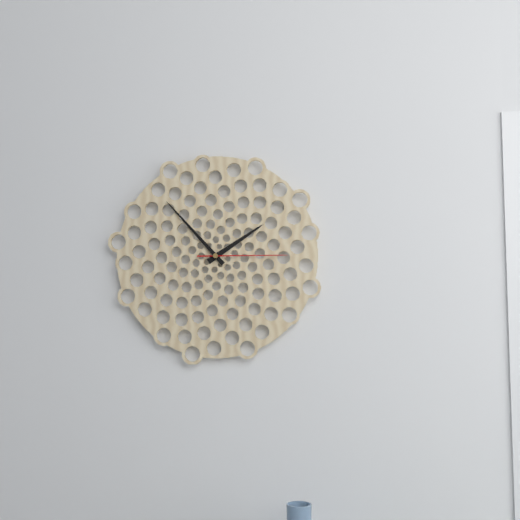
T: 1 h 53 min 15 s
